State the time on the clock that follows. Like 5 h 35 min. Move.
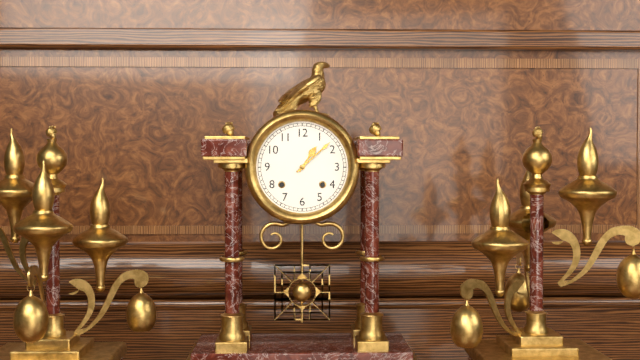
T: 1 h 08 min
